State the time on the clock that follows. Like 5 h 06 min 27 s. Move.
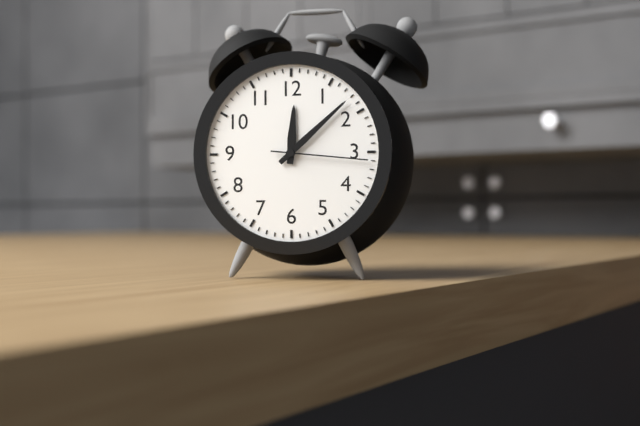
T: 12 h 08 min 16 s
